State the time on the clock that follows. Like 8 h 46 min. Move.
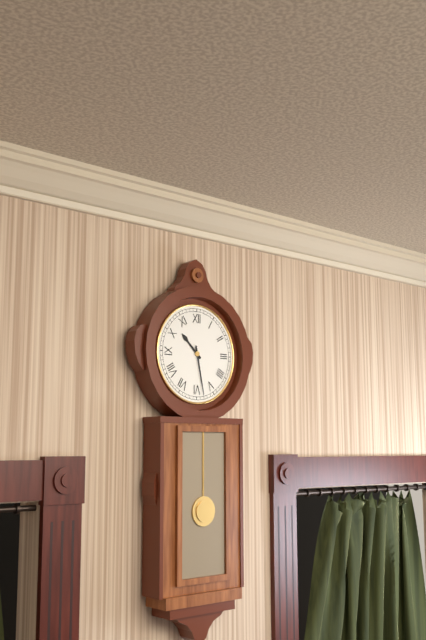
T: 10 h 28 min
